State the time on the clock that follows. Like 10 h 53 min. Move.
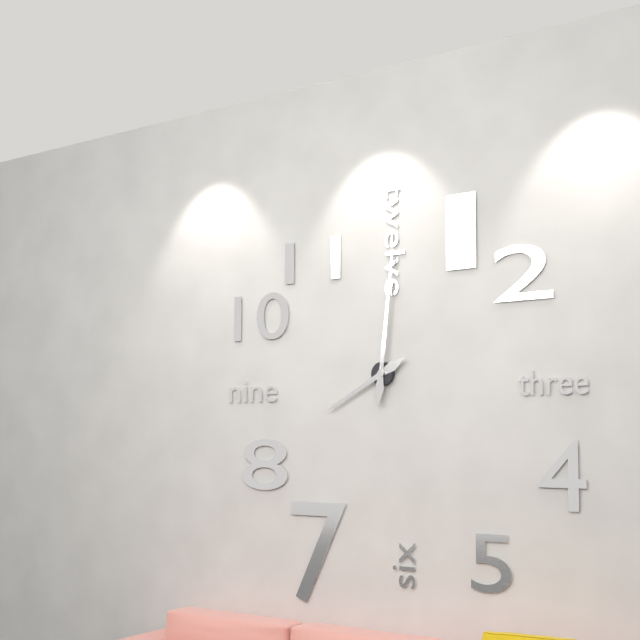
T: 8 h 01 min
